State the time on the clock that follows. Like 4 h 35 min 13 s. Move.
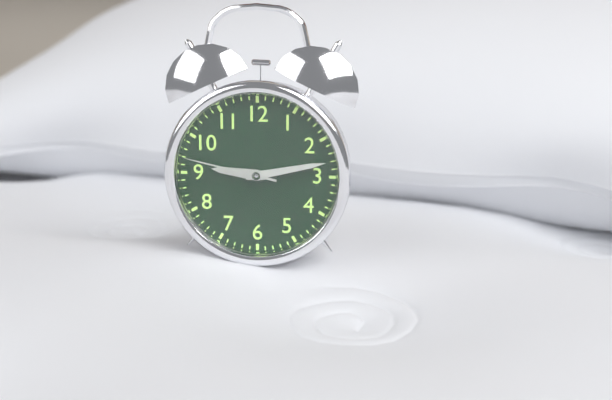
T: 9 h 13 min 47 s
